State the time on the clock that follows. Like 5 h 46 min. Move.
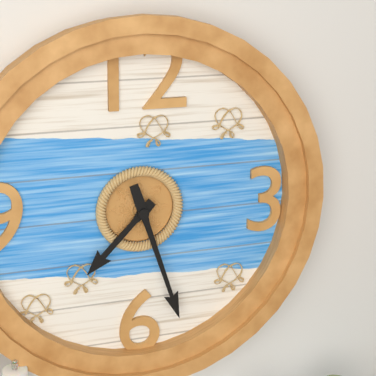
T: 7 h 27 min
